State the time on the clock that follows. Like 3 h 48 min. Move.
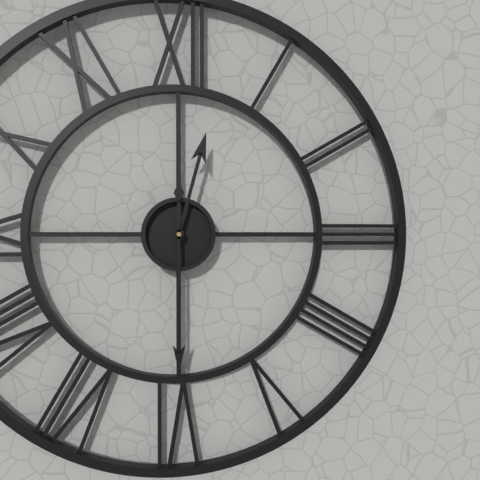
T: 12 h 30 min
